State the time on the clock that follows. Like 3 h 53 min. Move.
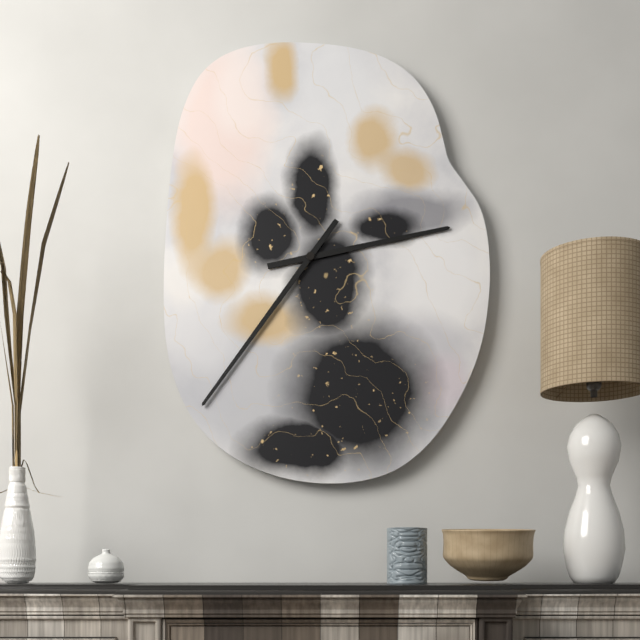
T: 2 h 36 min
